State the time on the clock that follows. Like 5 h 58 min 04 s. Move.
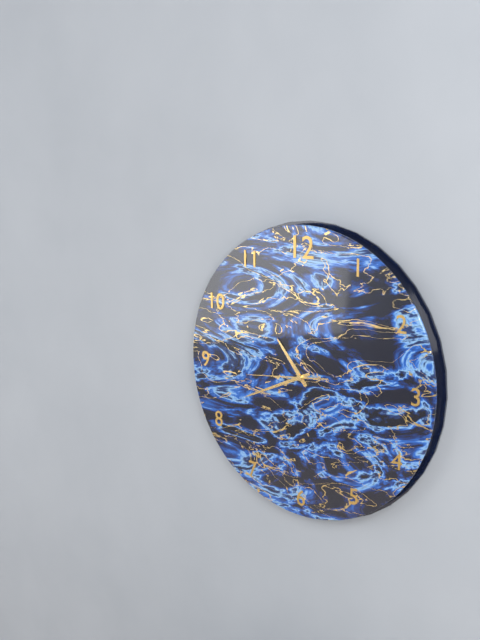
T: 10 h 41 min 44 s
